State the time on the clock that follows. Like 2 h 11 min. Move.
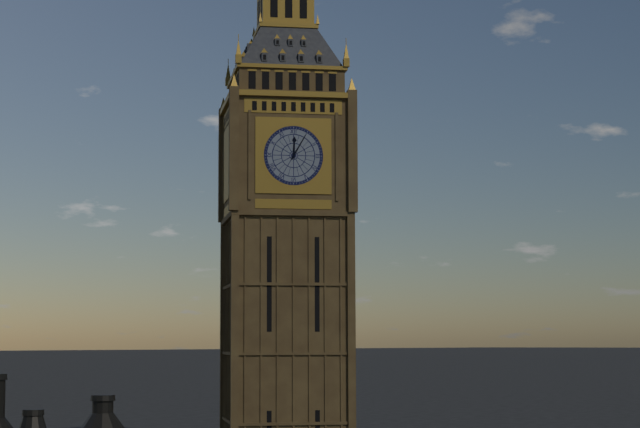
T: 12 h 05 min
